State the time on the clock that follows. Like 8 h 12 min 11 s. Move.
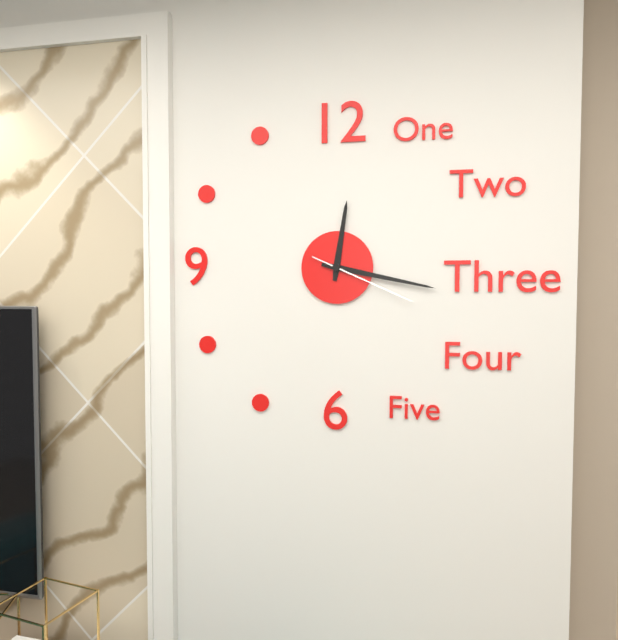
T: 12 h 17 min 19 s
